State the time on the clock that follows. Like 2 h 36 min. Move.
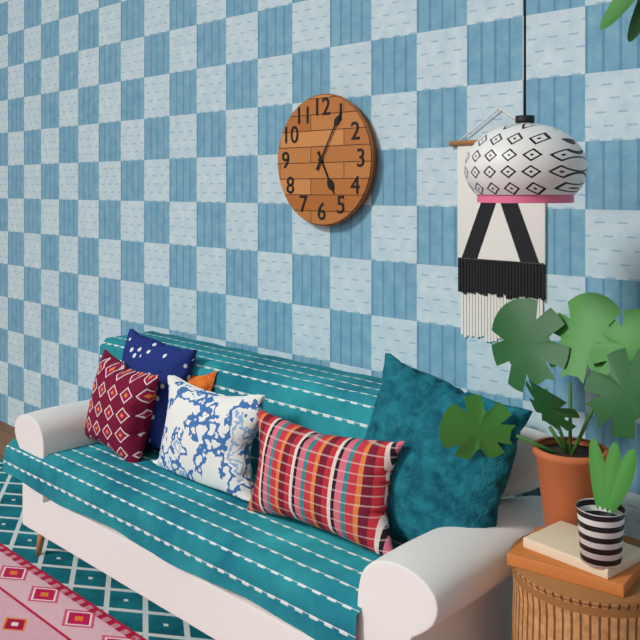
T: 5 h 05 min
